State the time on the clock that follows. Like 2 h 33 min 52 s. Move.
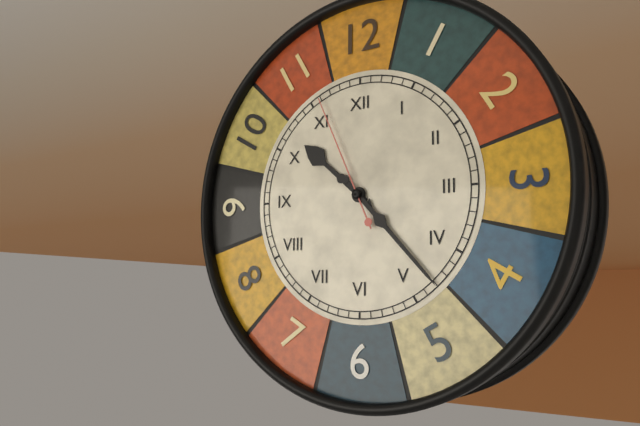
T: 10 h 23 min 56 s
